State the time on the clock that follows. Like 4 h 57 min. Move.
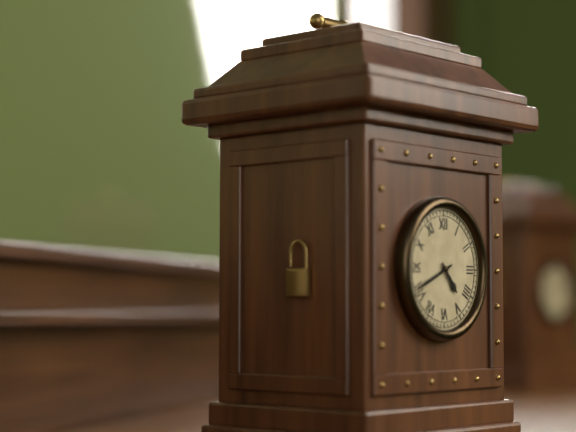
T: 4 h 41 min
